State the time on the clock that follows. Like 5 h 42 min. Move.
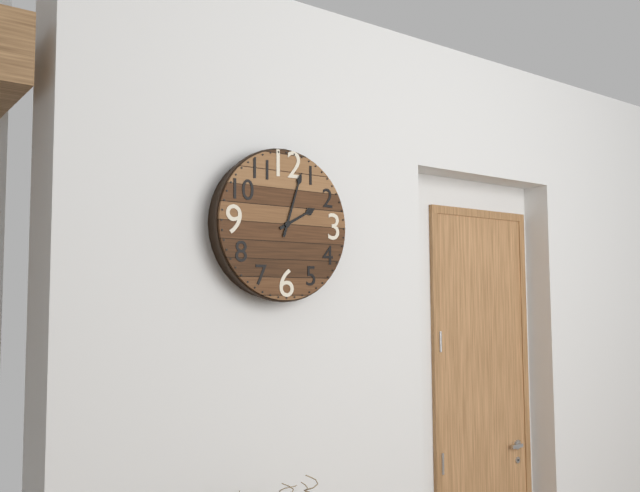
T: 2 h 03 min
